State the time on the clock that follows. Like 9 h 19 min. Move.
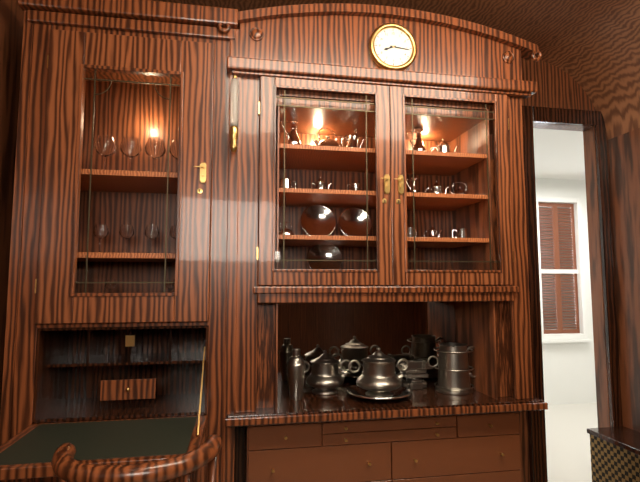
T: 8 h 16 min
